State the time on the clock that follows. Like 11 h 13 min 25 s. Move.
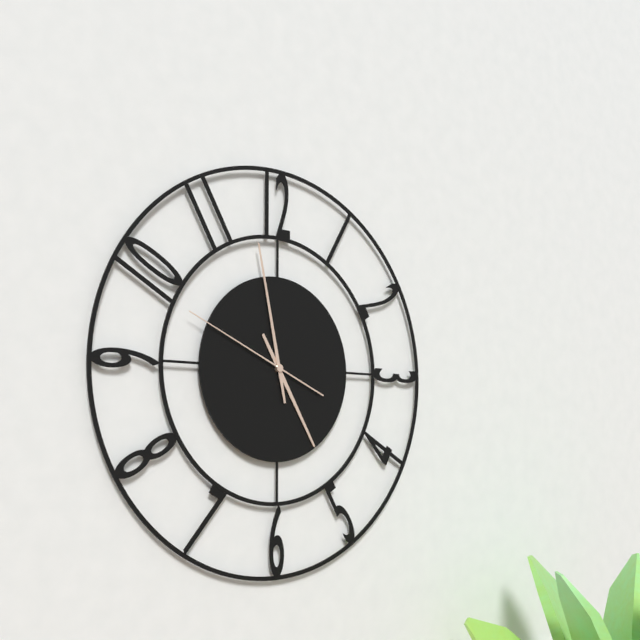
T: 4 h 58 min 49 s
